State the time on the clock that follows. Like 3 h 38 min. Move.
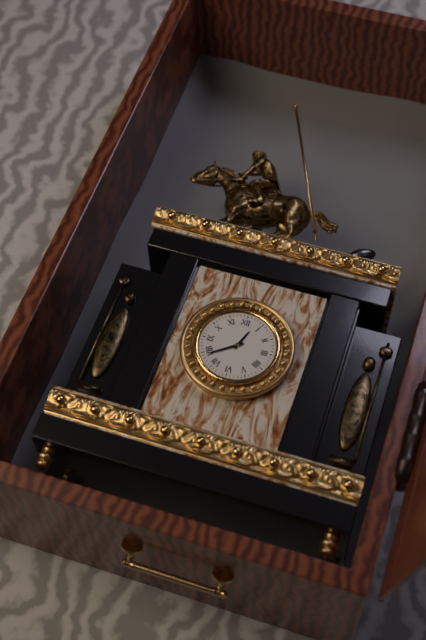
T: 12 h 39 min
